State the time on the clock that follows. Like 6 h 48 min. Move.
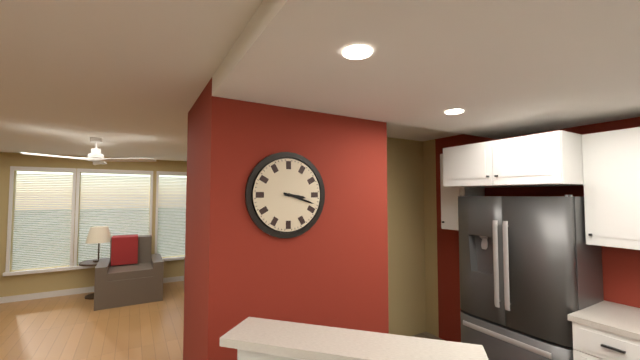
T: 3 h 18 min
